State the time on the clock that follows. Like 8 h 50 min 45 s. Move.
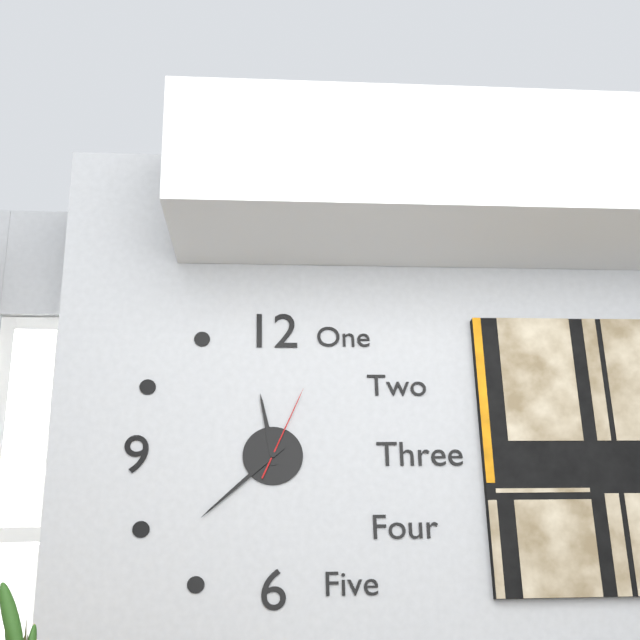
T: 11 h 38 min 04 s
